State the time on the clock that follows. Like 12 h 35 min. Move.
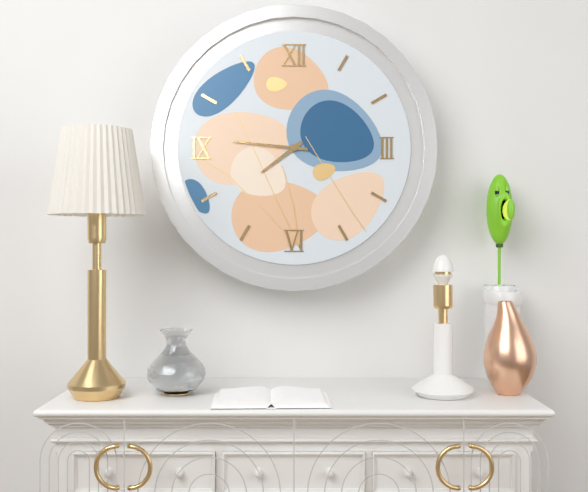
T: 7 h 46 min
